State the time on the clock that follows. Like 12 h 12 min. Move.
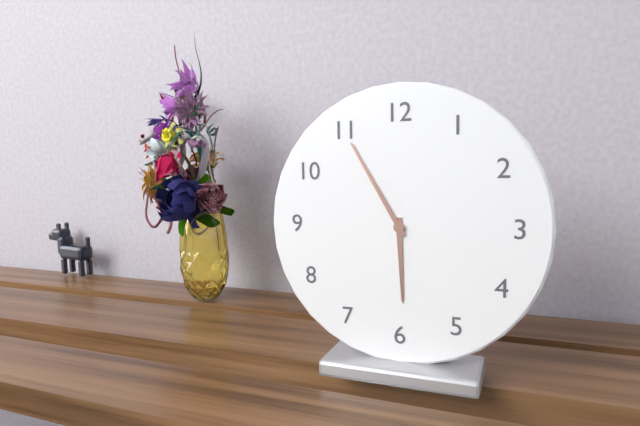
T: 5 h 55 min
